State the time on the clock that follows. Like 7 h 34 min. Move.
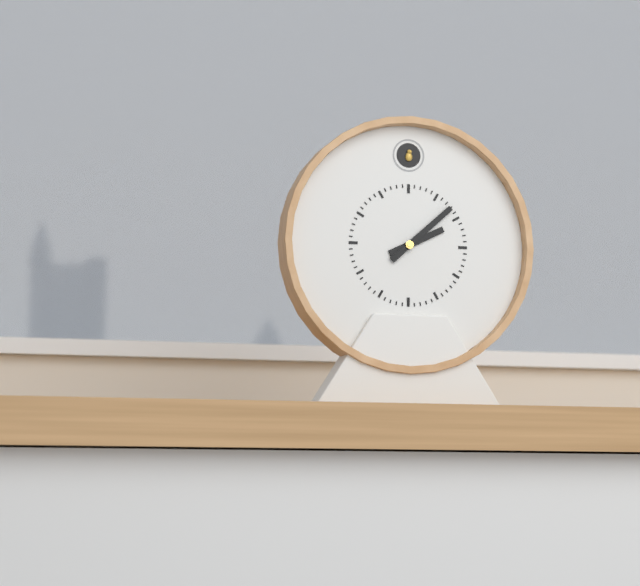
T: 2 h 08 min
